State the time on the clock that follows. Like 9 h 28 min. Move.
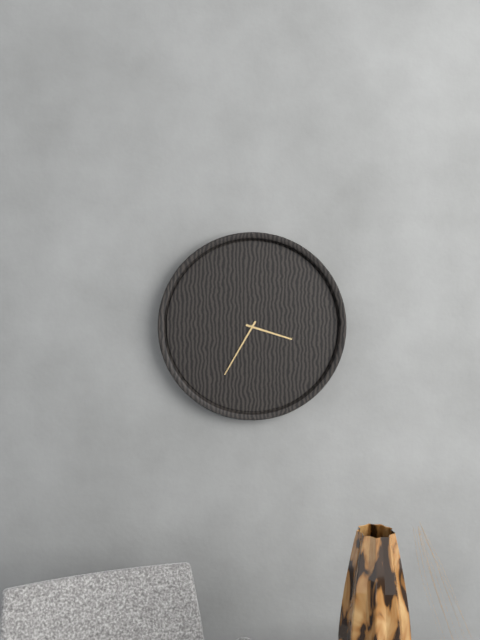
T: 3 h 35 min
